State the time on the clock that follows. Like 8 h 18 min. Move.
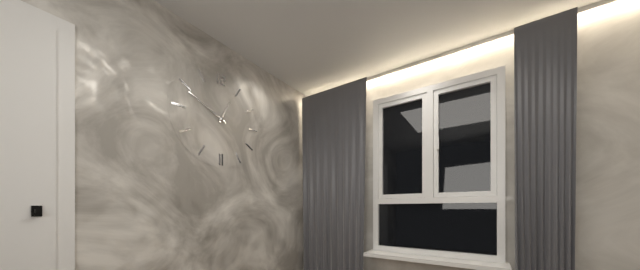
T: 12 h 49 min
